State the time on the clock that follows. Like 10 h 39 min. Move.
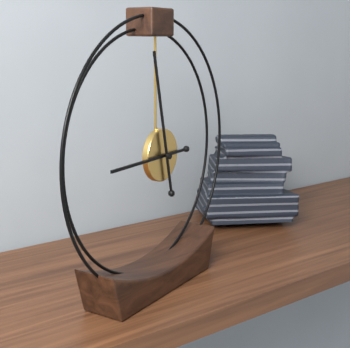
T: 8 h 58 min
